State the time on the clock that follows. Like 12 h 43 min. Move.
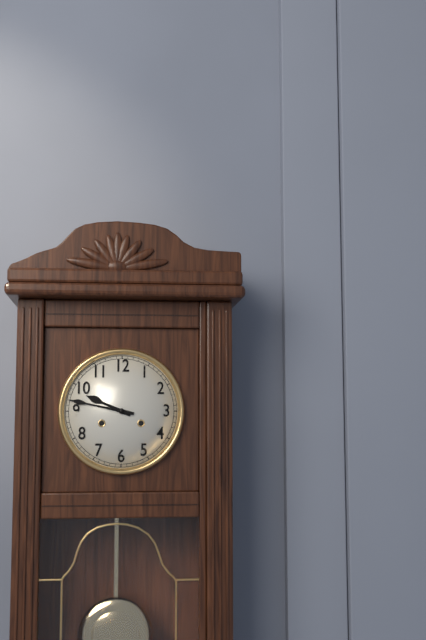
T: 9 h 47 min
